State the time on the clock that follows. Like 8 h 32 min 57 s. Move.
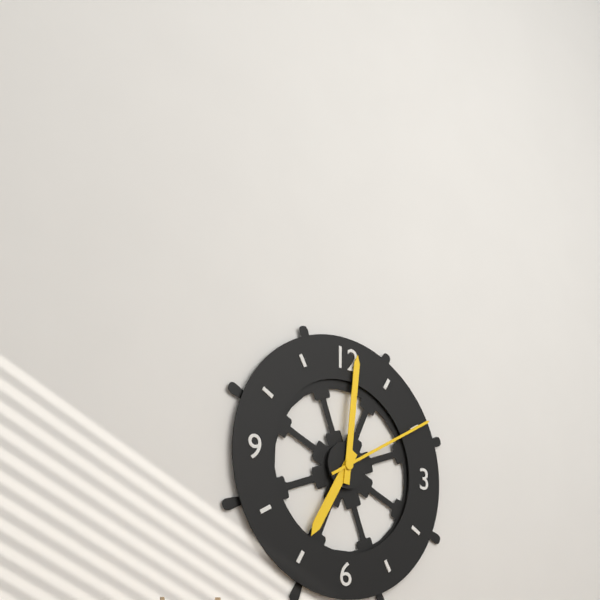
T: 7 h 01 min 10 s
